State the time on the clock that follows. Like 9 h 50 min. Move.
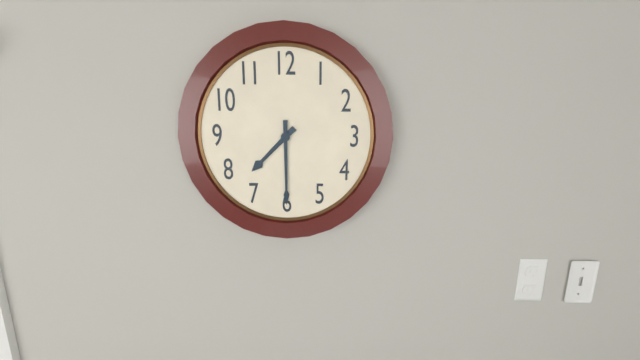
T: 7 h 30 min
